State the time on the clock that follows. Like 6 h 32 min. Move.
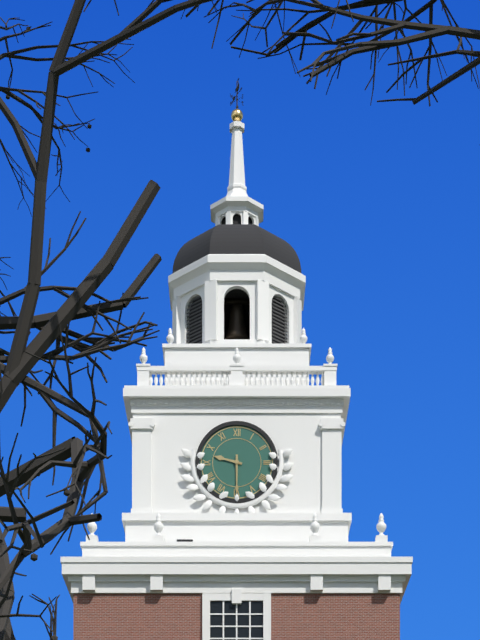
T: 9 h 30 min
